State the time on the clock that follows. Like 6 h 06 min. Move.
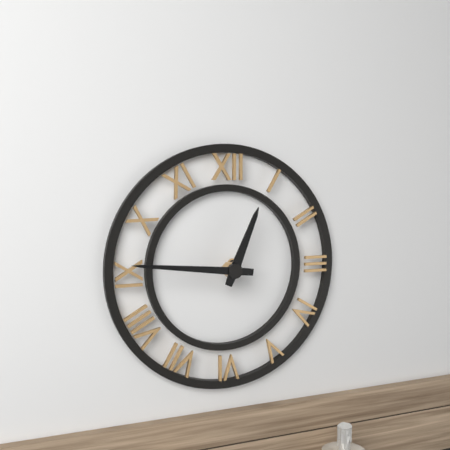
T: 12 h 46 min
